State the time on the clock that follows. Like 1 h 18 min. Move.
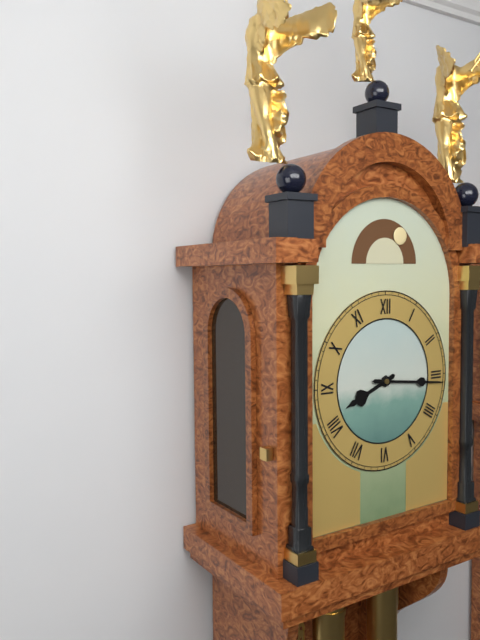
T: 8 h 16 min
